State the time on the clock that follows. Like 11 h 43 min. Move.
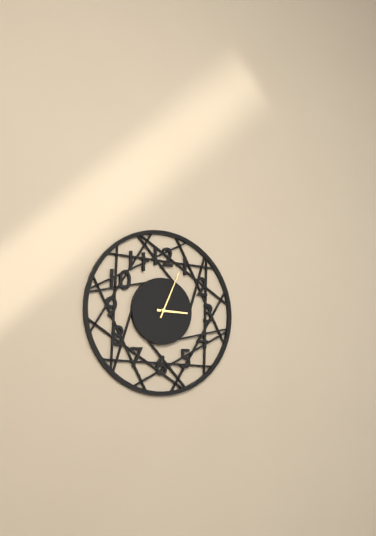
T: 3 h 04 min
